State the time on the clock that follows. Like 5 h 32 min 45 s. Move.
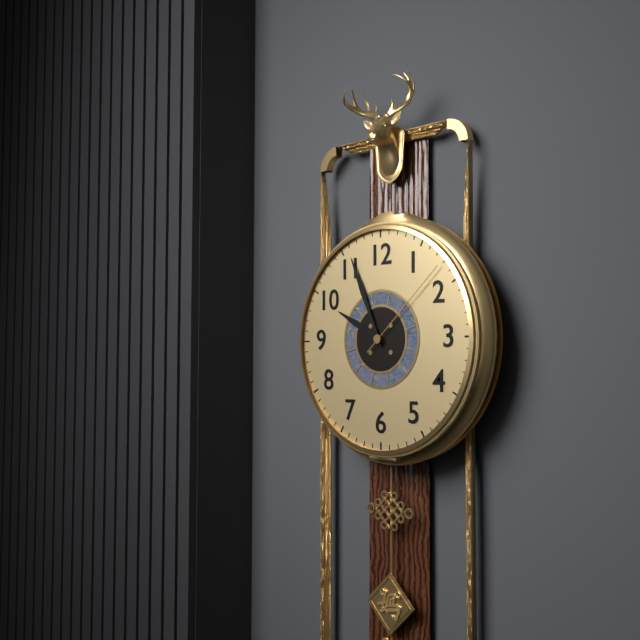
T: 9 h 56 min 08 s
